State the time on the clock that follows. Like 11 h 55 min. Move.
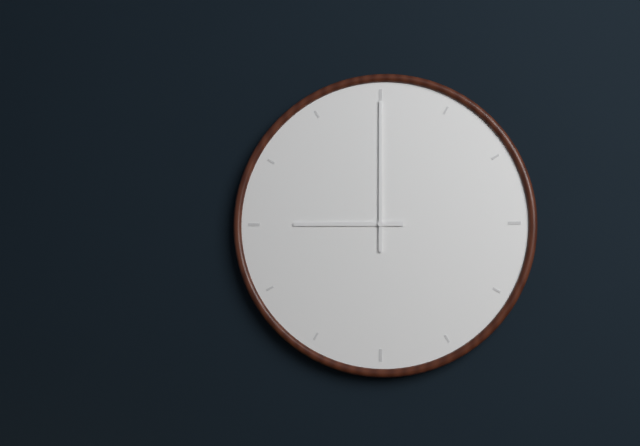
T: 9 h 00 min
